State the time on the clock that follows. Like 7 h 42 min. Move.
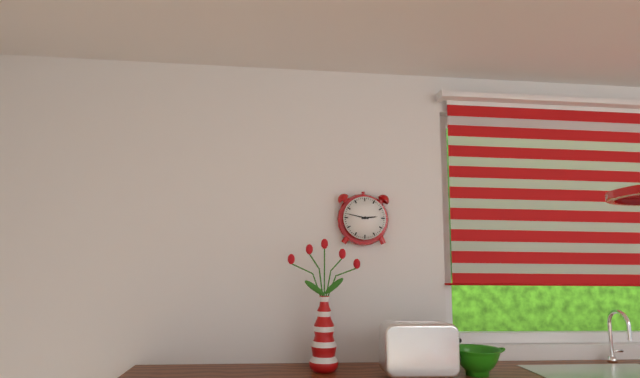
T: 2 h 47 min
